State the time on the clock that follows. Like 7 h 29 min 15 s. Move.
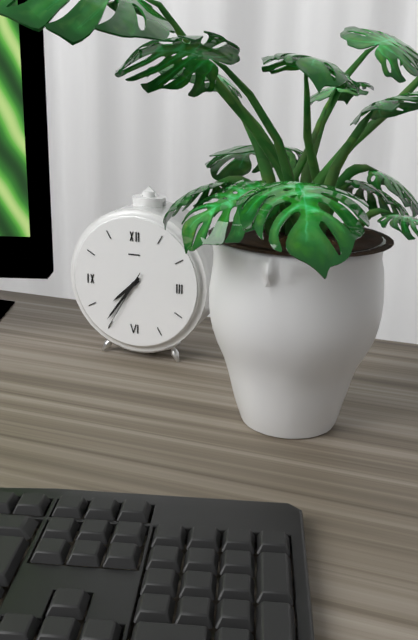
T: 7 h 36 min 35 s
